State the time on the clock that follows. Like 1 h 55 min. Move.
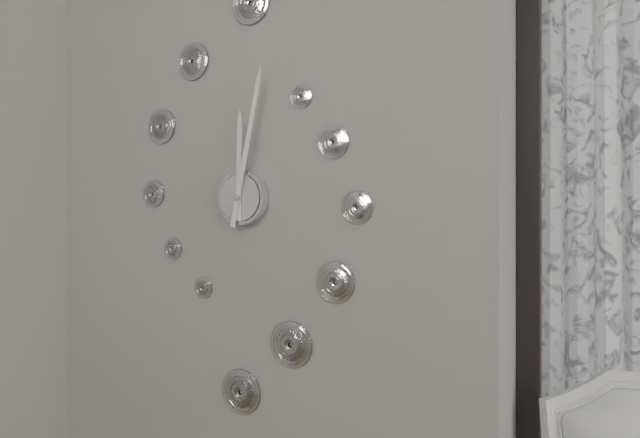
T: 12 h 02 min
